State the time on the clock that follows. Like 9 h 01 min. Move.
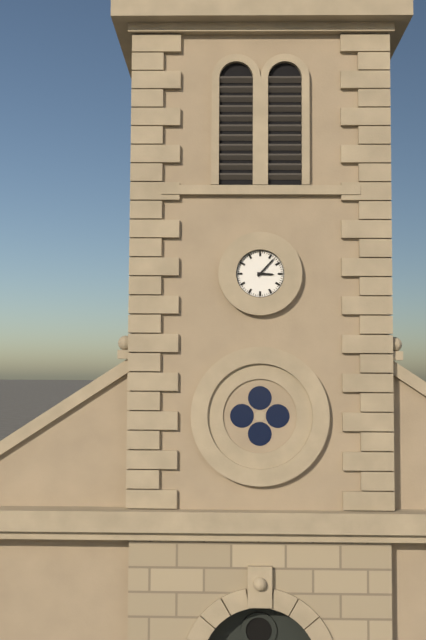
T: 3 h 07 min
